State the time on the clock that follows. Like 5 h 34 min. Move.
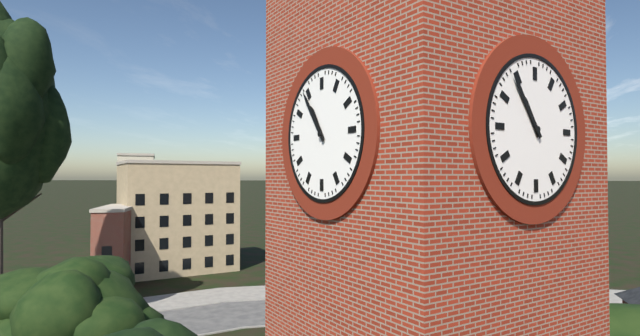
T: 10 h 54 min
